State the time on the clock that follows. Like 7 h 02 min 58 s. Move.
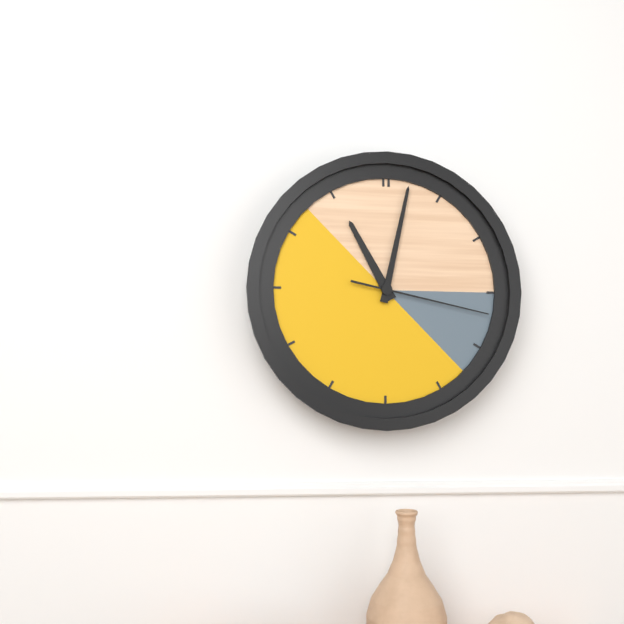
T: 11 h 02 min 17 s
